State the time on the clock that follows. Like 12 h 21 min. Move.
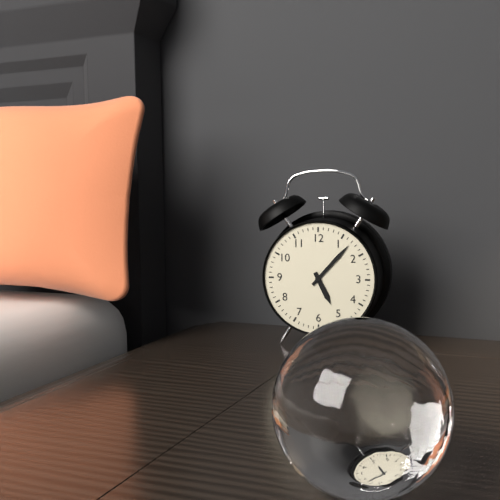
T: 5 h 07 min
